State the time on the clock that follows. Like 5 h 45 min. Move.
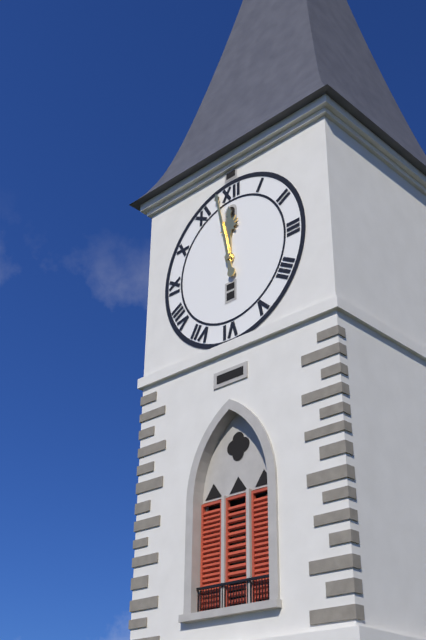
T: 11 h 58 min
